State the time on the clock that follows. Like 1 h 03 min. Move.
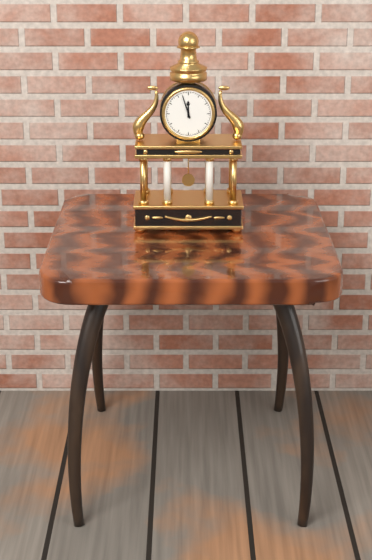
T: 11 h 57 min
